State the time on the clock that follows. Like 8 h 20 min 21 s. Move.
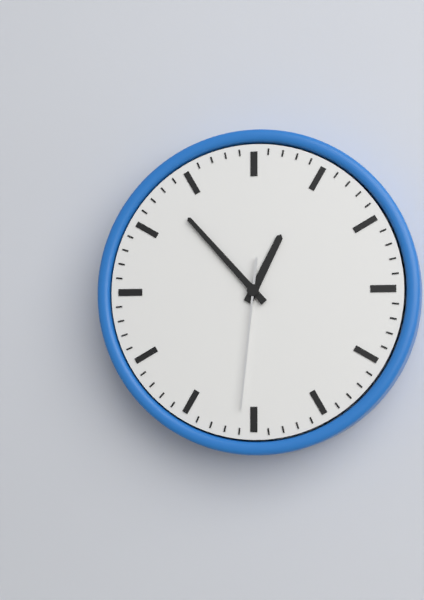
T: 12 h 53 min 31 s
